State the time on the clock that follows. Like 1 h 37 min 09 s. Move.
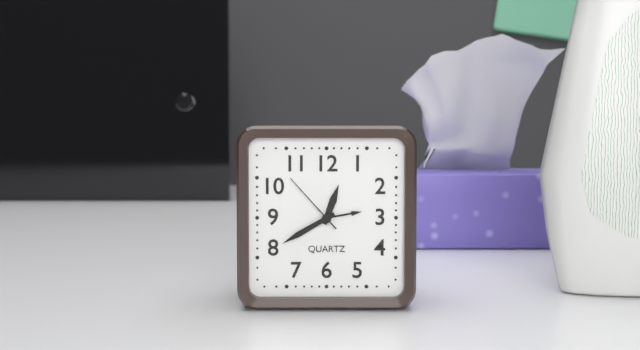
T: 12 h 40 min 53 s
